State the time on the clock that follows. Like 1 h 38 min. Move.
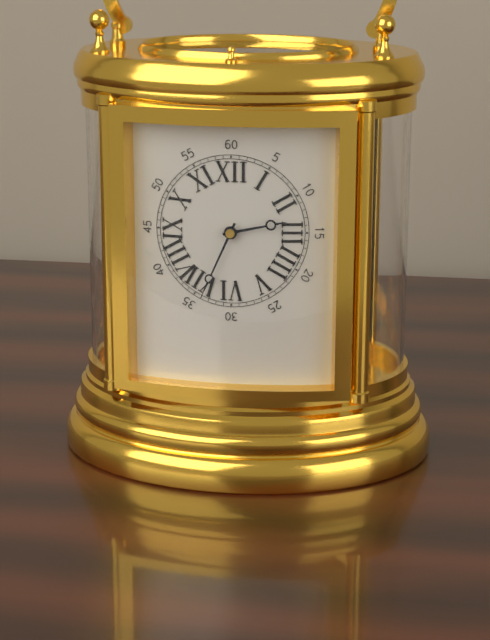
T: 2 h 34 min
